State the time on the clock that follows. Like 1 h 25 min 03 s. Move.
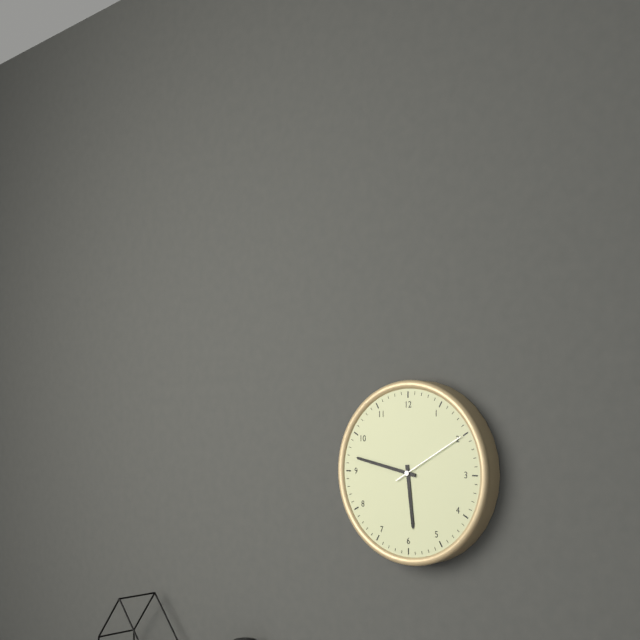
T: 5 h 47 min 10 s
